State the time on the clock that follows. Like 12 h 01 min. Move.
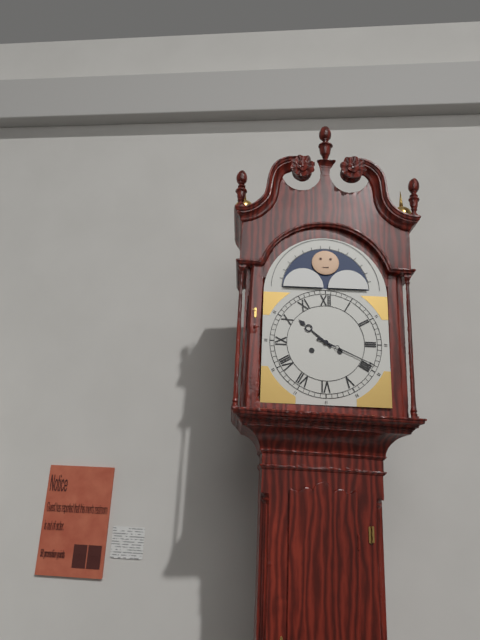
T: 10 h 19 min
